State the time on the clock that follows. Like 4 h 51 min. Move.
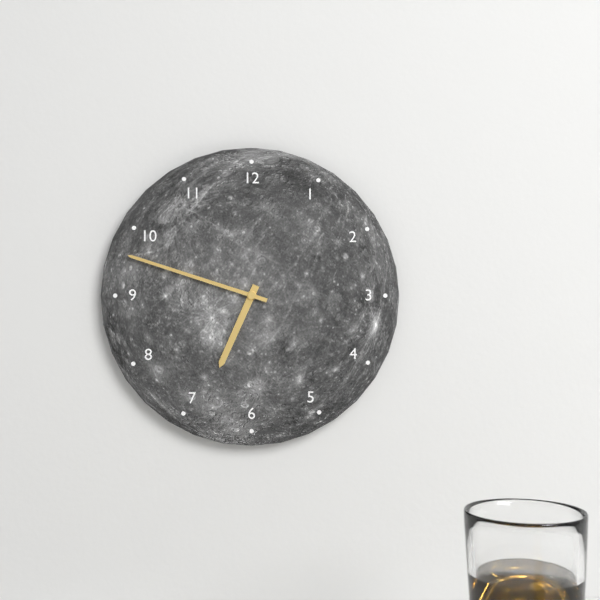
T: 6 h 48 min
